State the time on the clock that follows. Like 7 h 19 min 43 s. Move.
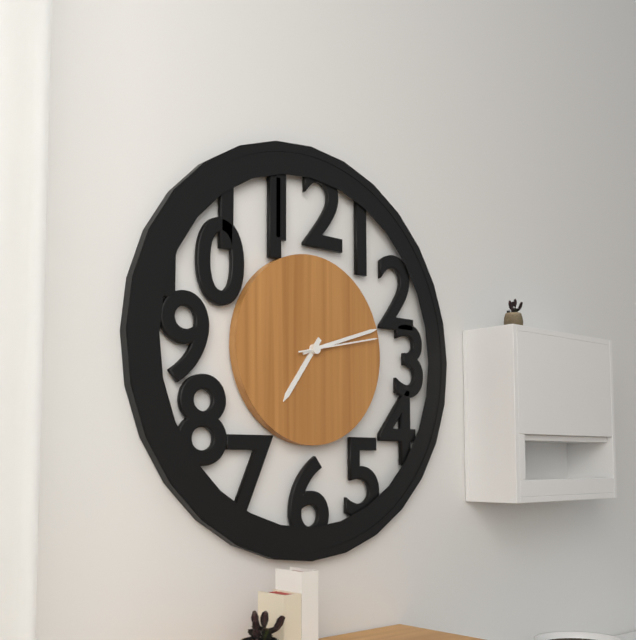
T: 7 h 12 min 13 s
